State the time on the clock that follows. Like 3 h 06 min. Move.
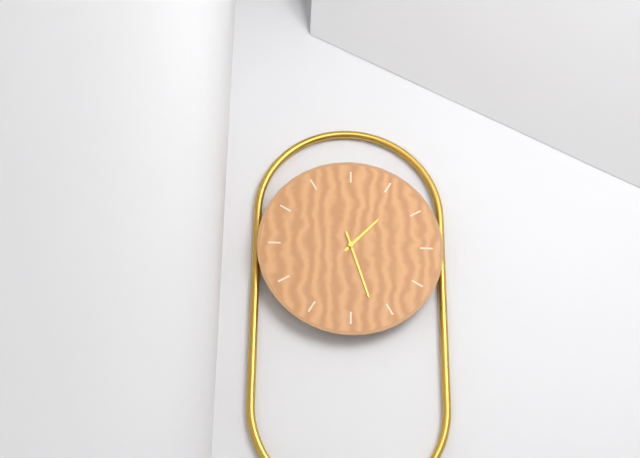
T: 1 h 27 min
